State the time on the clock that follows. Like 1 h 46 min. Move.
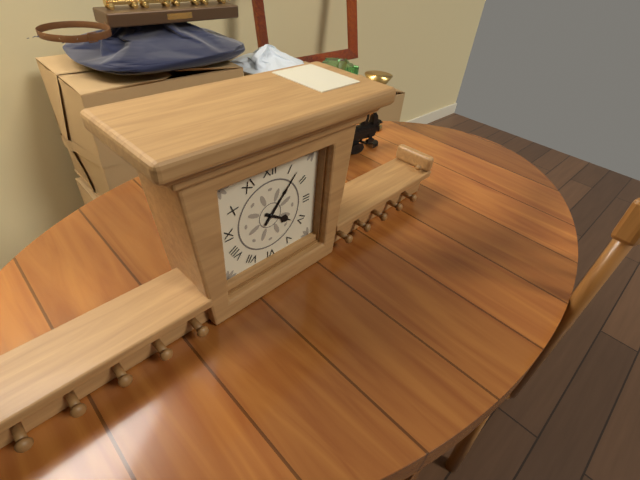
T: 4 h 07 min
